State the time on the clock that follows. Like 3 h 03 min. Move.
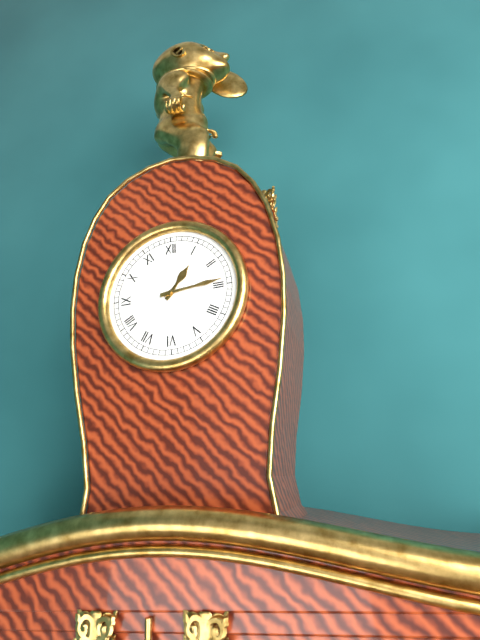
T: 1 h 14 min
